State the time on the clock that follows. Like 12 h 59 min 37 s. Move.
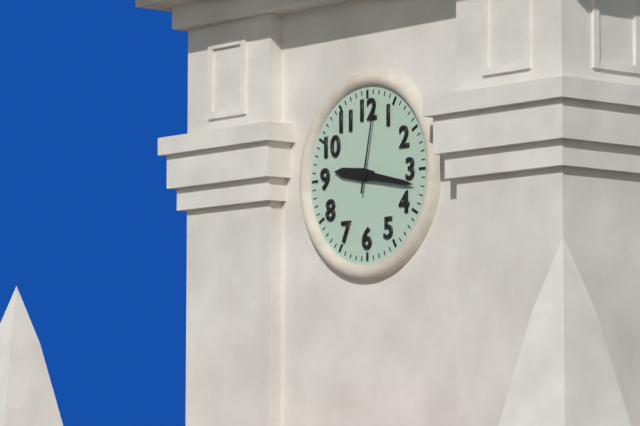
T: 9 h 17 min 02 s
